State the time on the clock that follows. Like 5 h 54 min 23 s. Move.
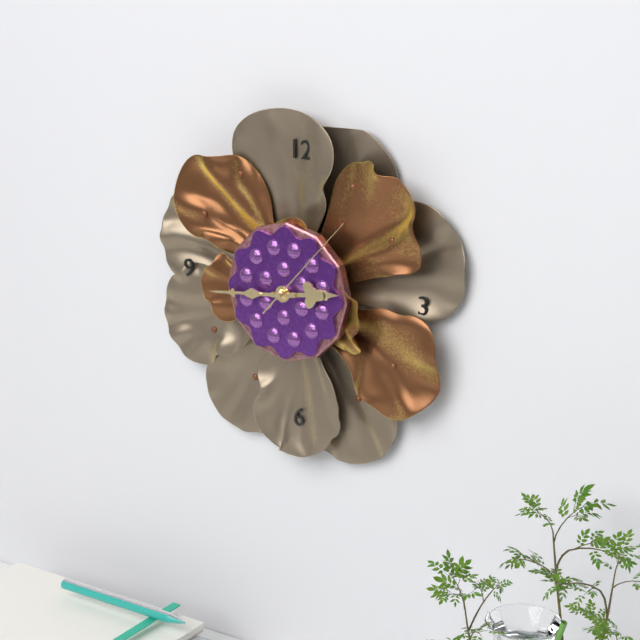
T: 2 h 44 min 07 s
